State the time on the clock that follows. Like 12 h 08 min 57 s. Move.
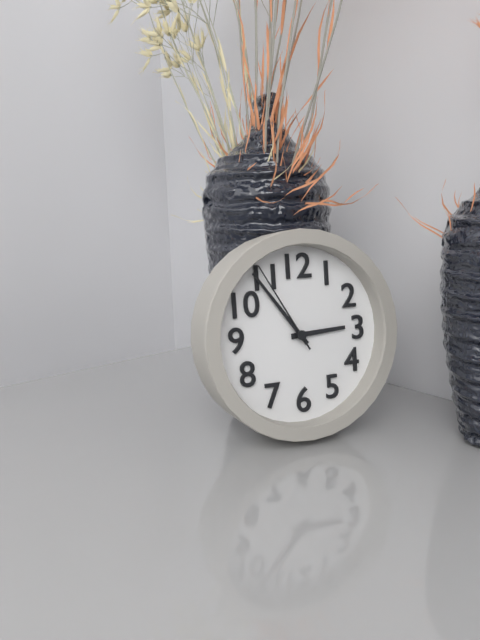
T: 2 h 54 min 55 s
